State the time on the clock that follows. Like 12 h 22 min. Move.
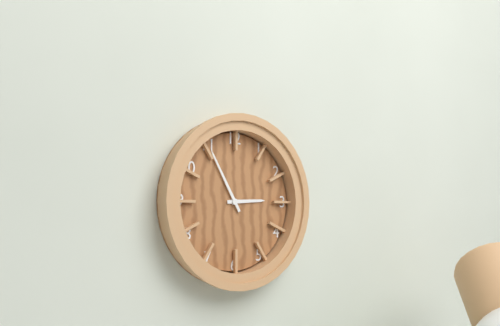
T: 2 h 55 min
